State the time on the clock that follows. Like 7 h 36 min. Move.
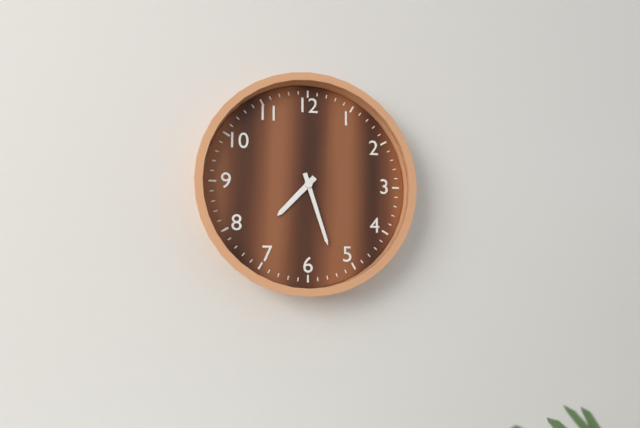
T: 7 h 27 min
